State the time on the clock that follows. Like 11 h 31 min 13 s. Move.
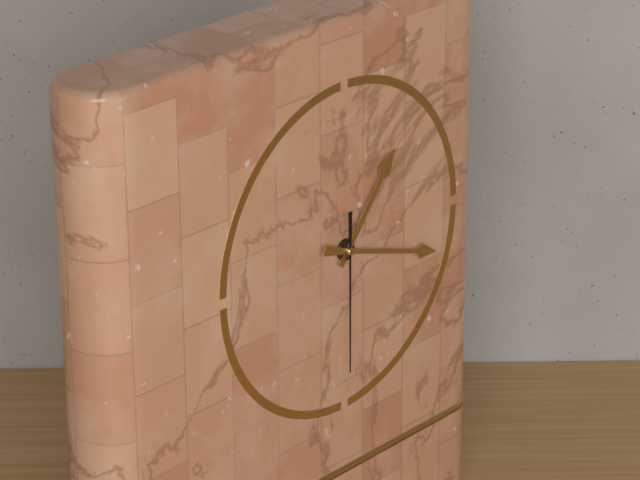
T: 1 h 18 min 30 s
